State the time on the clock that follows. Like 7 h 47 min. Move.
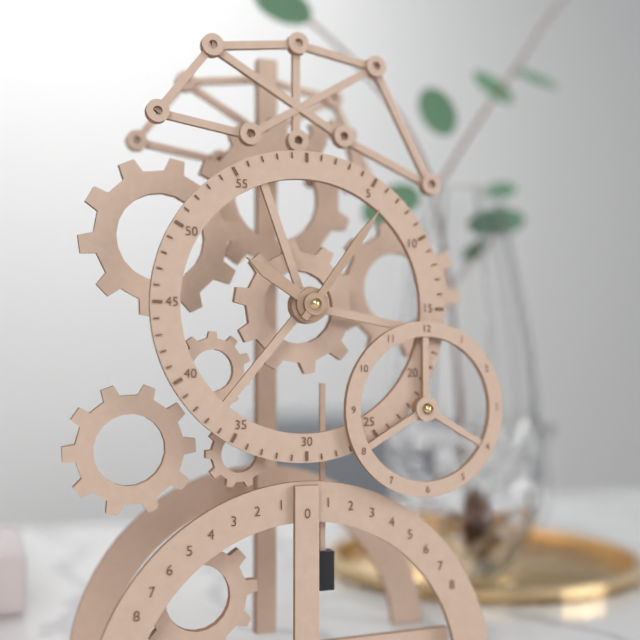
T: 10 h 06 min
